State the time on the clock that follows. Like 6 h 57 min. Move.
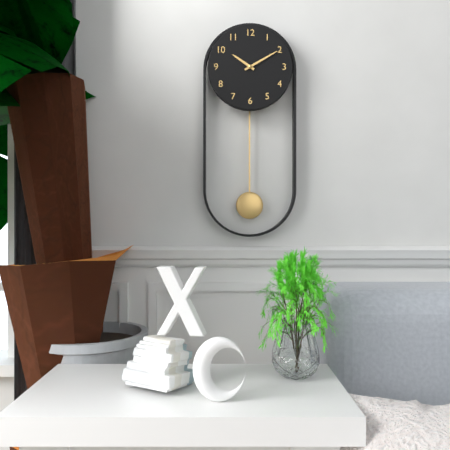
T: 10 h 10 min
